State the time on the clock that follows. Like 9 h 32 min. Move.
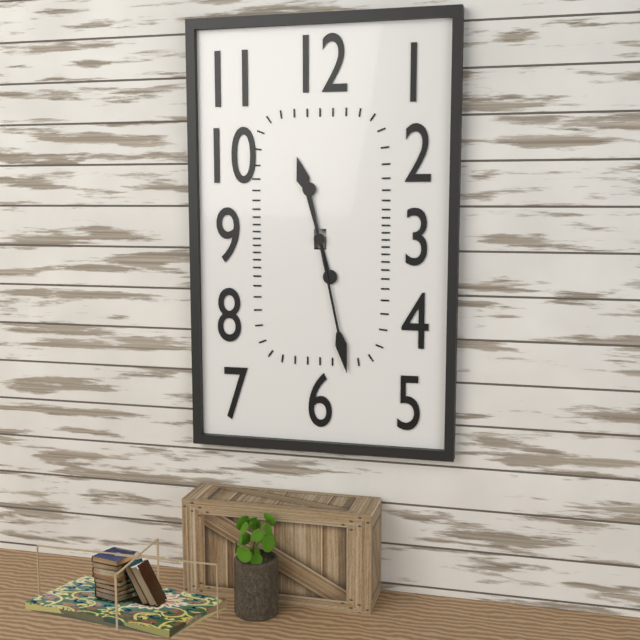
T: 11 h 28 min
